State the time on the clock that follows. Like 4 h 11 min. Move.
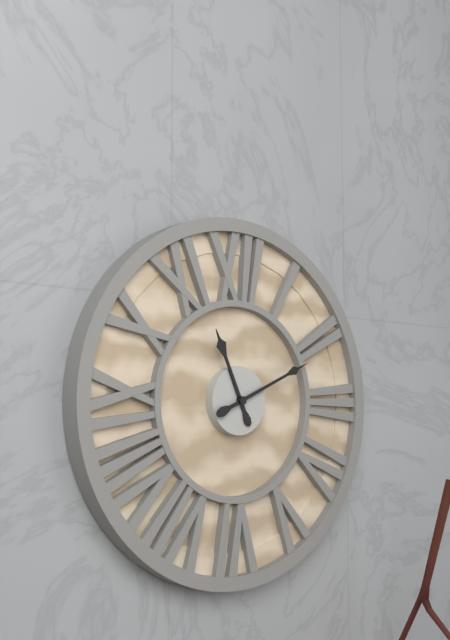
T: 11 h 11 min
